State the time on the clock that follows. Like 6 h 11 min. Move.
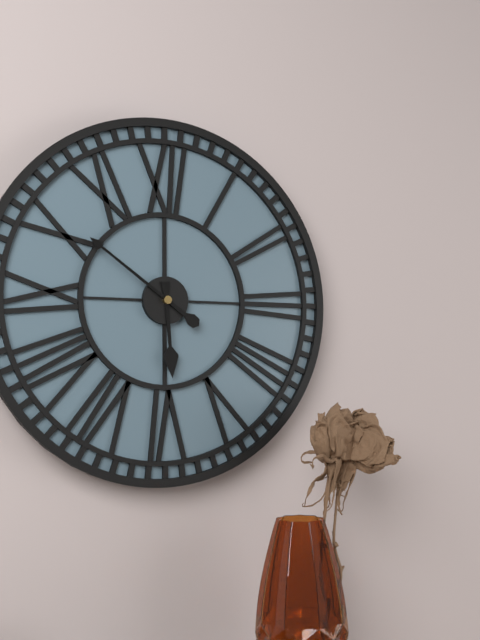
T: 5 h 51 min
